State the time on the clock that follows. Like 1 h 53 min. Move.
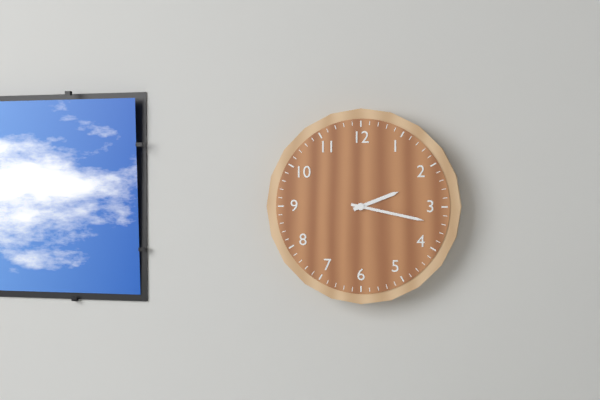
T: 2 h 17 min
